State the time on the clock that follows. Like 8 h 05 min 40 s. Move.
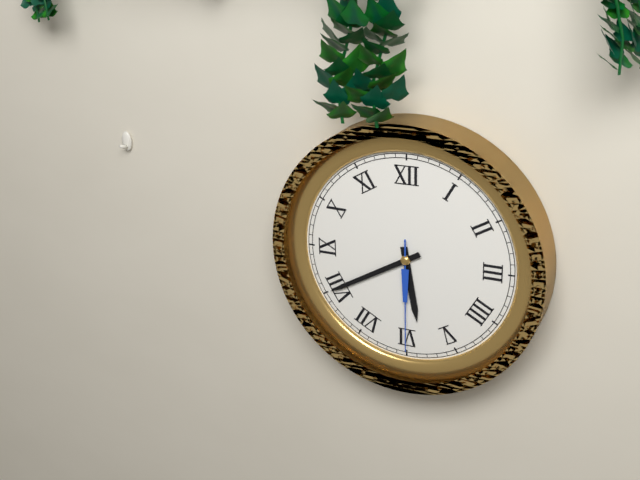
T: 5 h 40 min 30 s
